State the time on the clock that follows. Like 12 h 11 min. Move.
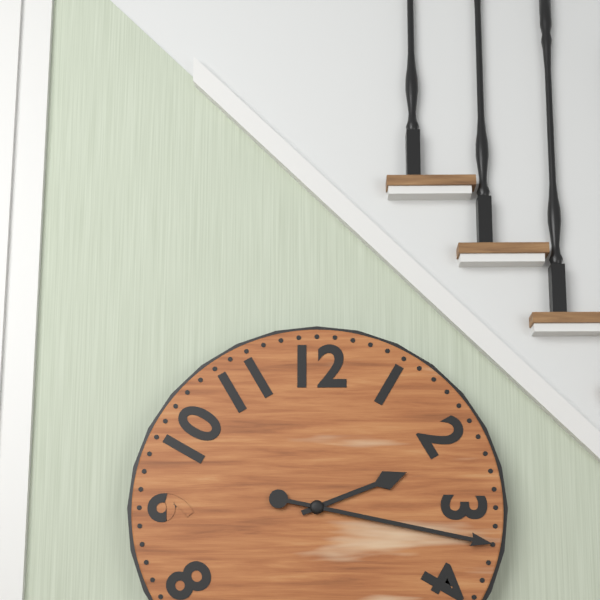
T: 2 h 17 min
